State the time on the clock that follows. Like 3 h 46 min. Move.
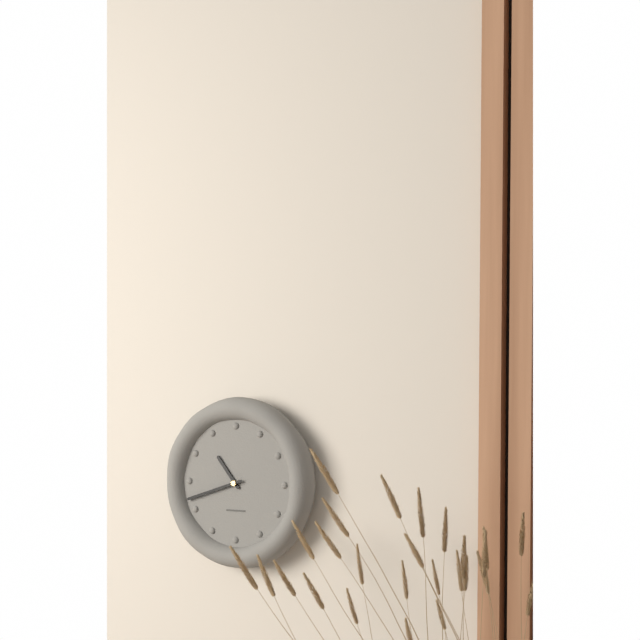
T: 10 h 42 min
